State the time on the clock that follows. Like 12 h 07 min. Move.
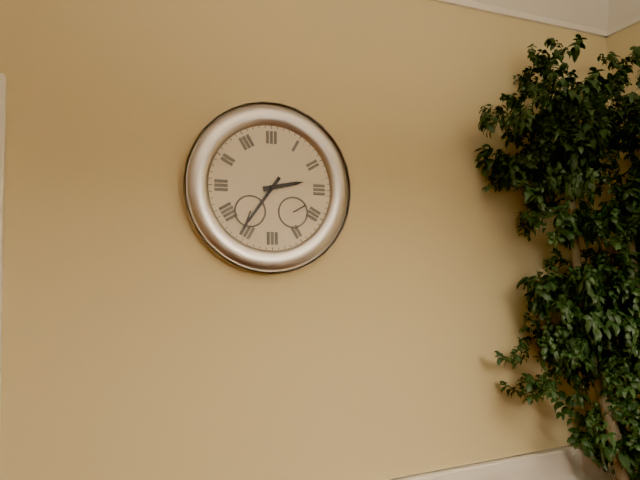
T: 2 h 36 min
